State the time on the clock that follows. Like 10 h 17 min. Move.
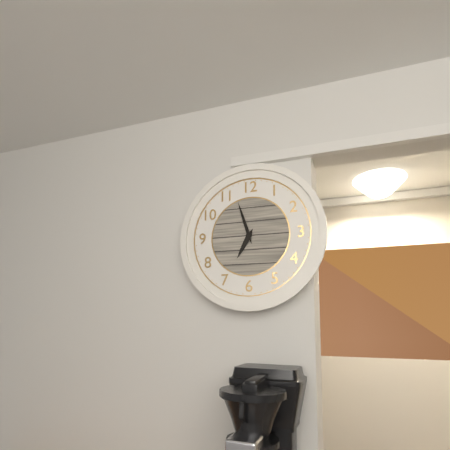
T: 6 h 57 min
